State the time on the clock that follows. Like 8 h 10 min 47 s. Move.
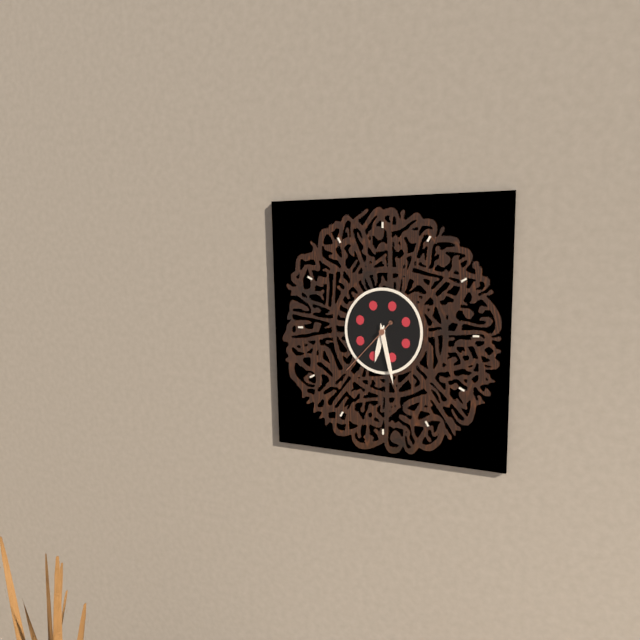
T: 6 h 28 min 37 s
